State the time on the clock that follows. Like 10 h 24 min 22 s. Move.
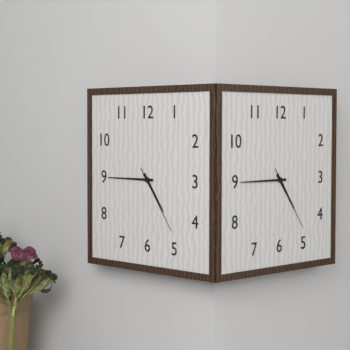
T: 4 h 45 min 24 s
